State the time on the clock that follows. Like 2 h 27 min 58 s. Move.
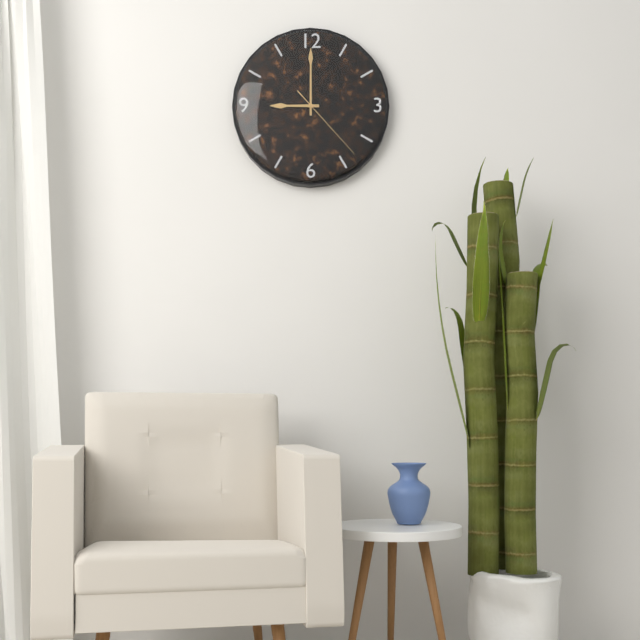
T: 9 h 00 min 23 s
